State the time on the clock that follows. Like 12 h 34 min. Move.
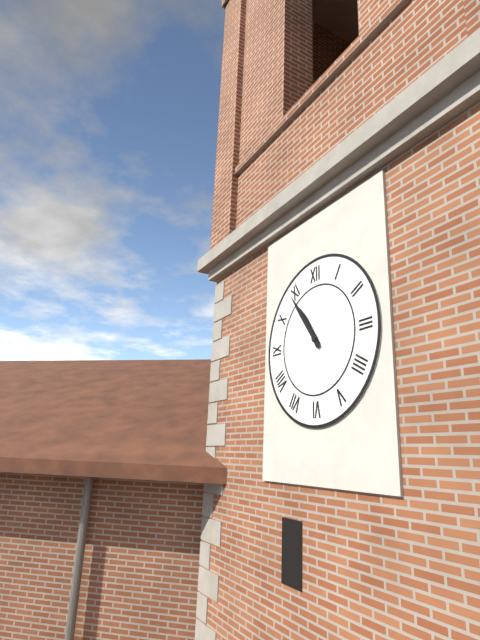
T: 10 h 54 min
